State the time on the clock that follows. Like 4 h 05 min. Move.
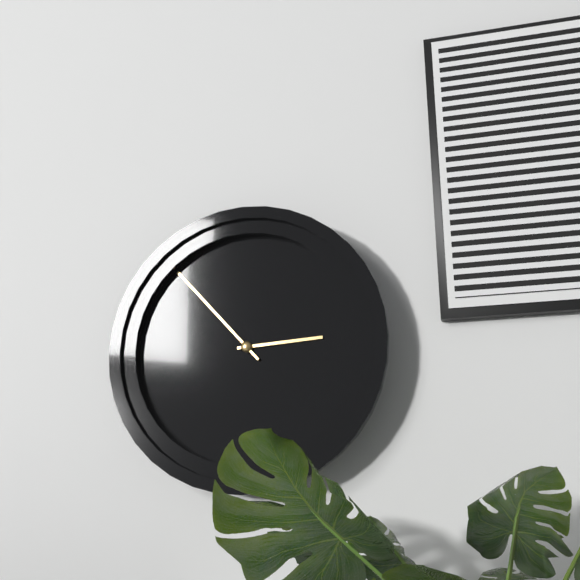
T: 2 h 53 min
